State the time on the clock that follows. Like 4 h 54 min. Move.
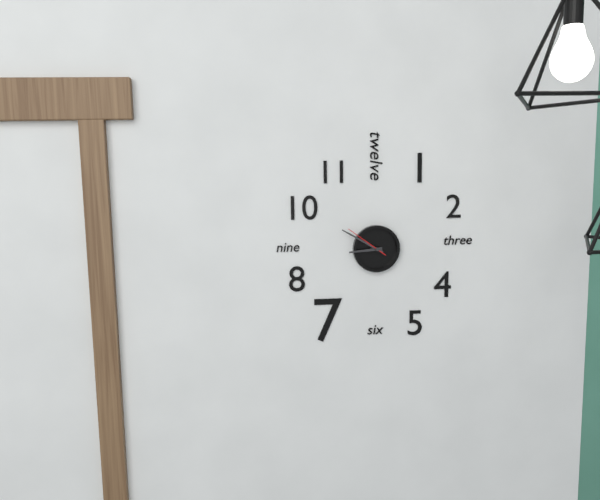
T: 8 h 50 min
